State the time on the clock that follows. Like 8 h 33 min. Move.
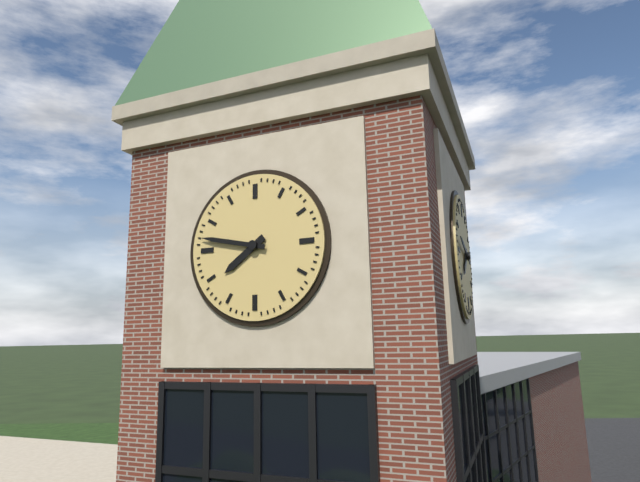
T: 7 h 47 min
